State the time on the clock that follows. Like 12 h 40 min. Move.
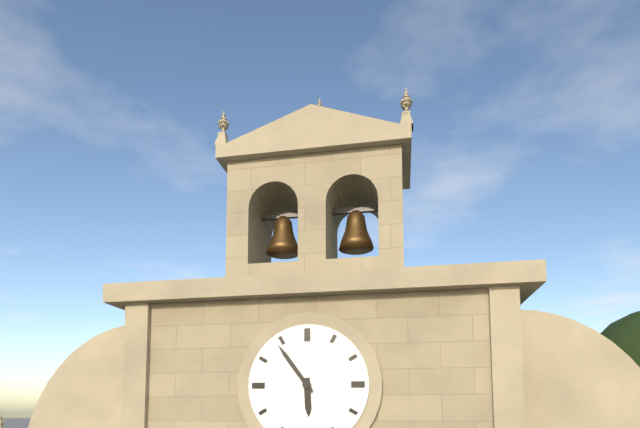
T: 5 h 54 min
